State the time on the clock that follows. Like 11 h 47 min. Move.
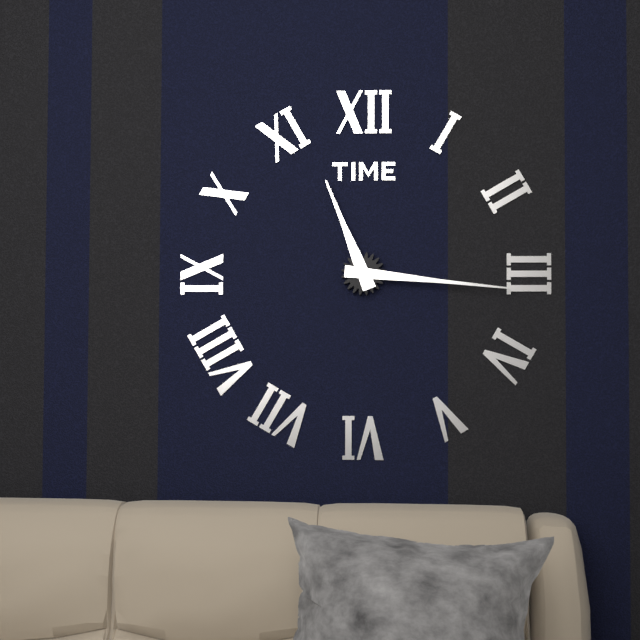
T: 11 h 16 min
